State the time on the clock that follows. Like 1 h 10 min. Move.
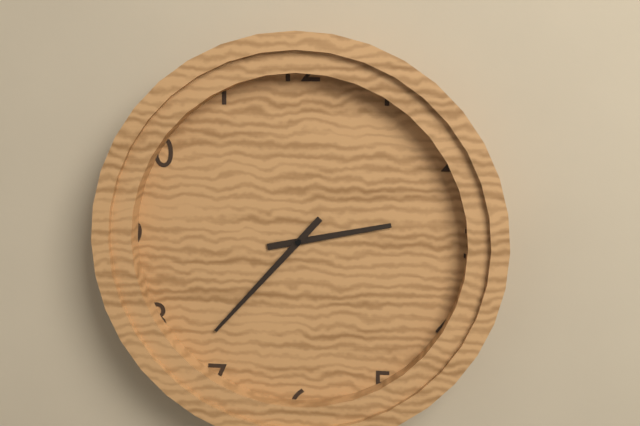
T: 2 h 37 min
